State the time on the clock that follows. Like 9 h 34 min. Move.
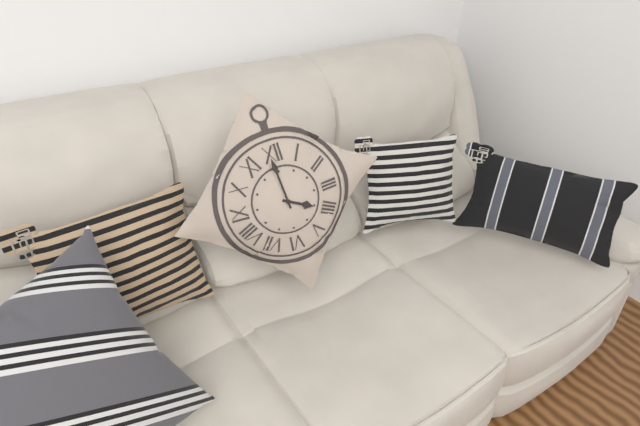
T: 3 h 59 min
